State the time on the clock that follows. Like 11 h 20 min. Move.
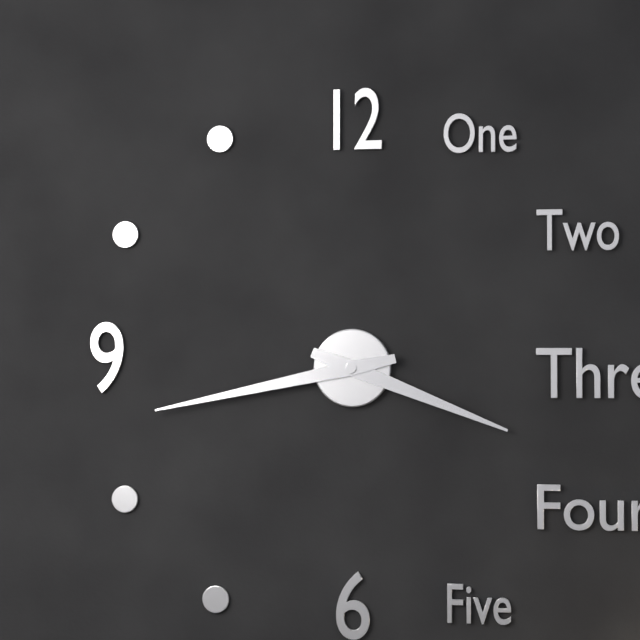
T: 3 h 43 min
